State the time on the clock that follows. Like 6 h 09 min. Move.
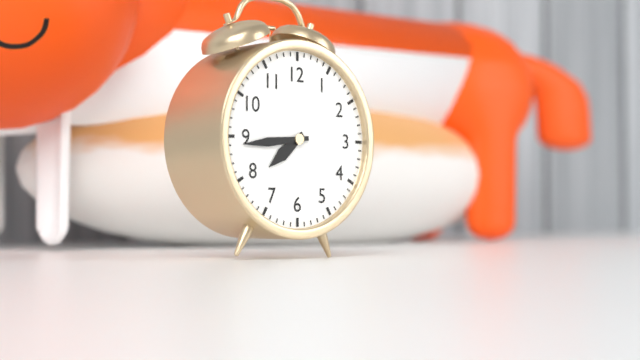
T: 7 h 44 min
